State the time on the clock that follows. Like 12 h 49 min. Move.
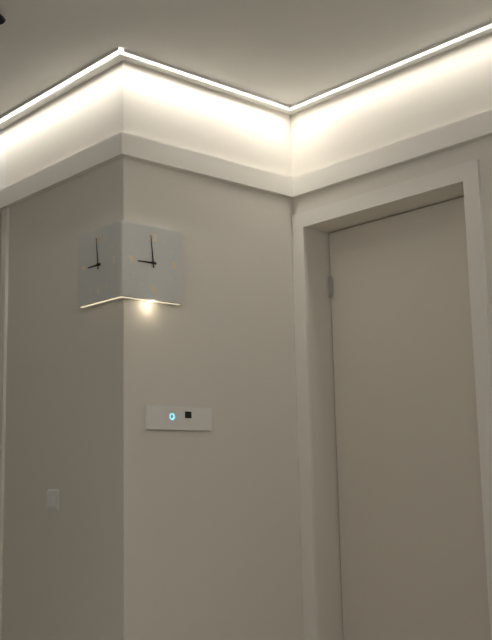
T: 8 h 59 min
